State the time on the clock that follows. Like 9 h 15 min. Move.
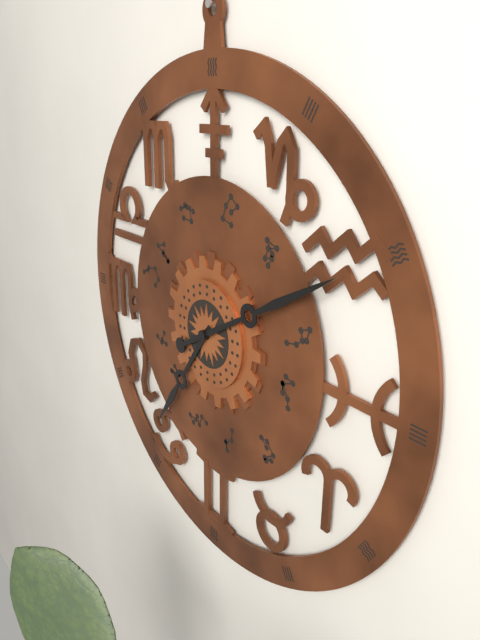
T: 7 h 10 min
